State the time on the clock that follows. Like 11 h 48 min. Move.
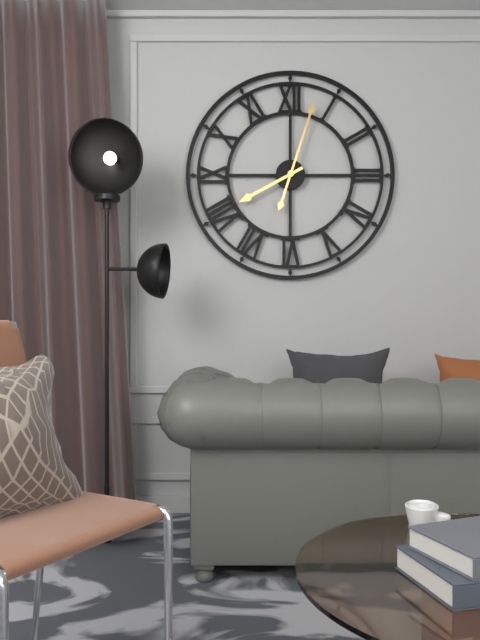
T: 8 h 03 min
